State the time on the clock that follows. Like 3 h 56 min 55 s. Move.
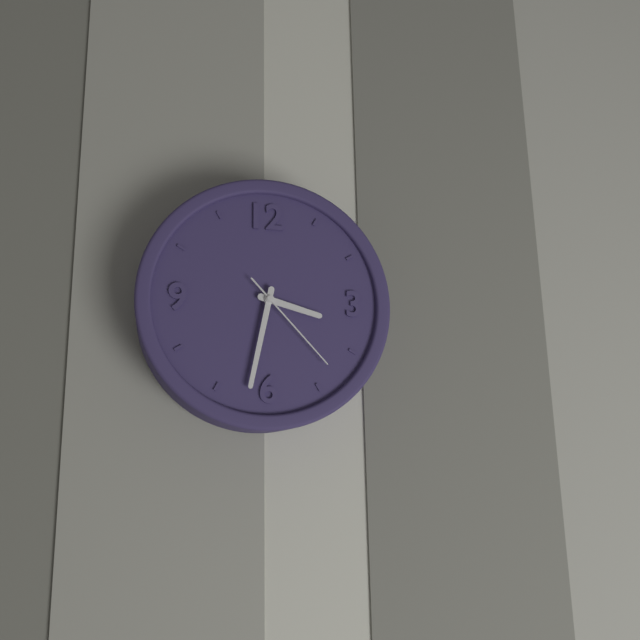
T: 3 h 32 min 23 s
